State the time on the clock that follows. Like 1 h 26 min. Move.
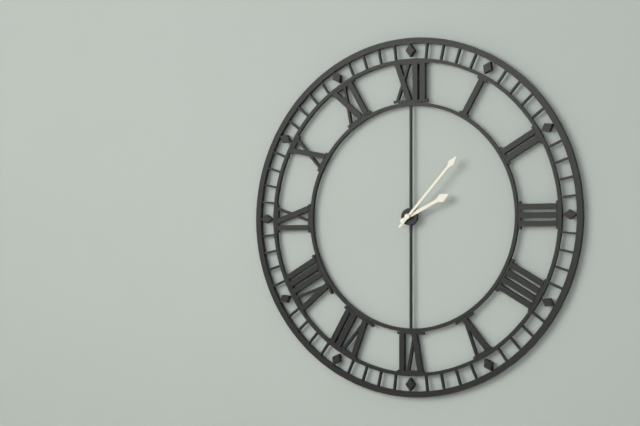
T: 2 h 07 min
